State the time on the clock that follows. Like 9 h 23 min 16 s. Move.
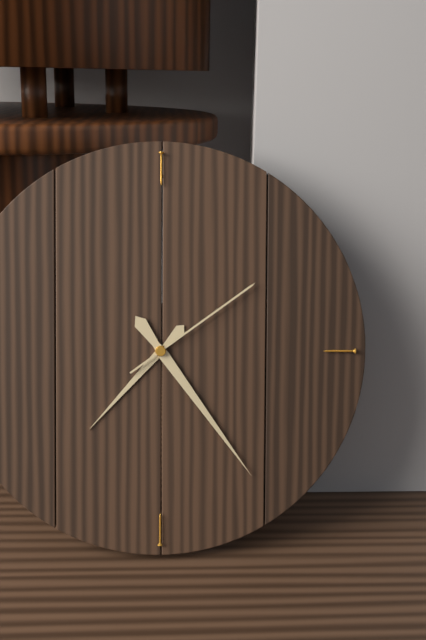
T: 7 h 24 min 09 s
